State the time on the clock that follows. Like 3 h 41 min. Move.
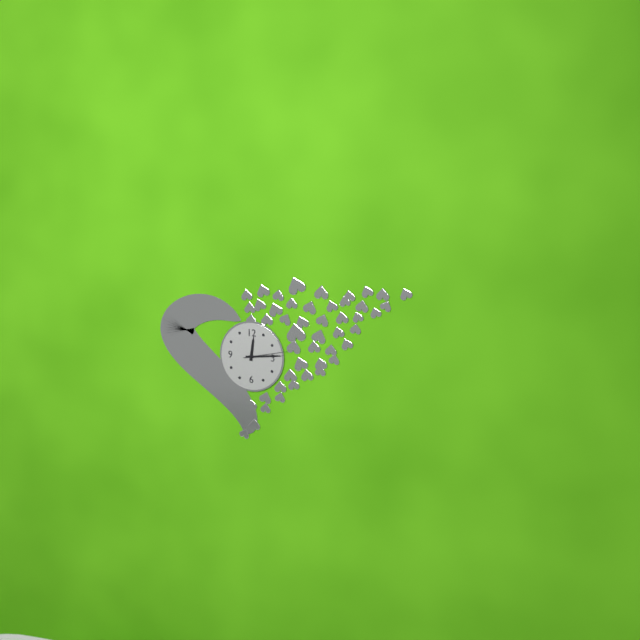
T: 12 h 14 min
